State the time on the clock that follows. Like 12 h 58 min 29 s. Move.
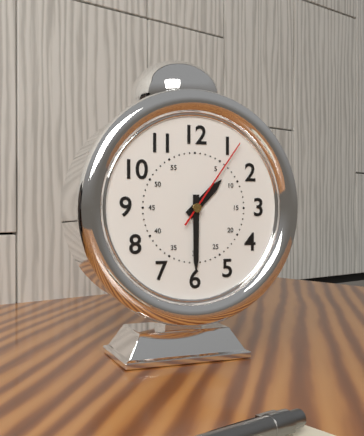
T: 1 h 30 min 06 s
